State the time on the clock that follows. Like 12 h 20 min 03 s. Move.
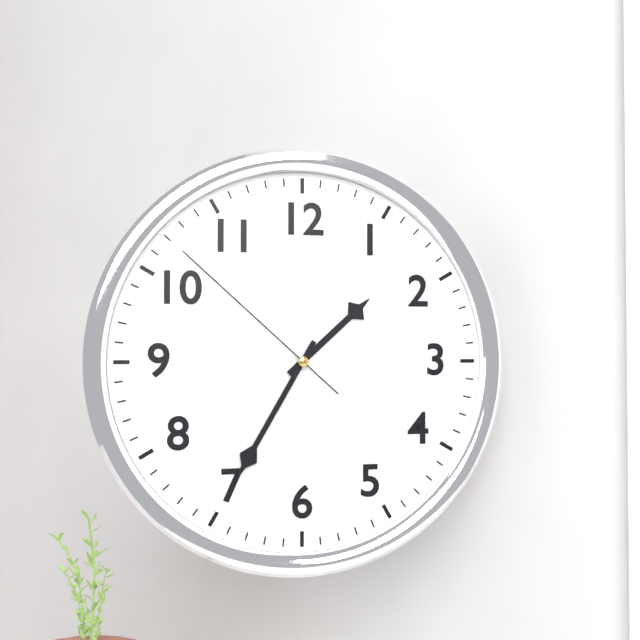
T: 1 h 35 min 52 s
